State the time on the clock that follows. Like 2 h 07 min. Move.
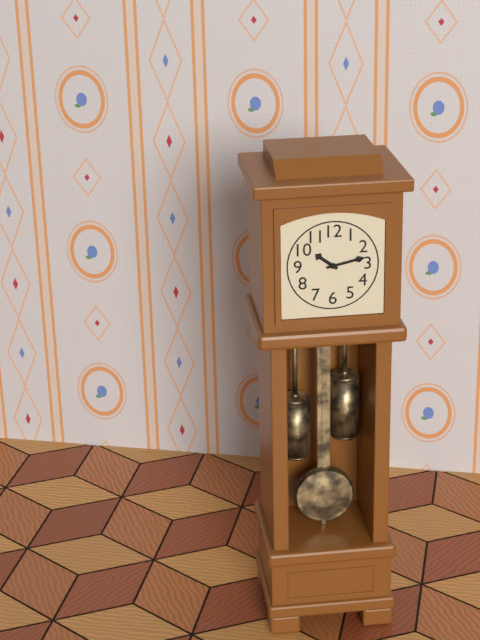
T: 10 h 13 min
